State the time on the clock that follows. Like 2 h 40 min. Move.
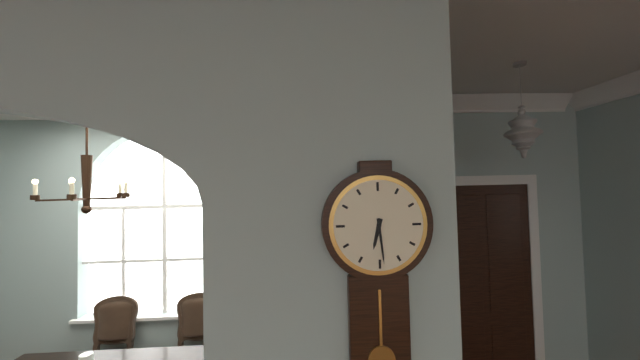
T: 6 h 29 min
